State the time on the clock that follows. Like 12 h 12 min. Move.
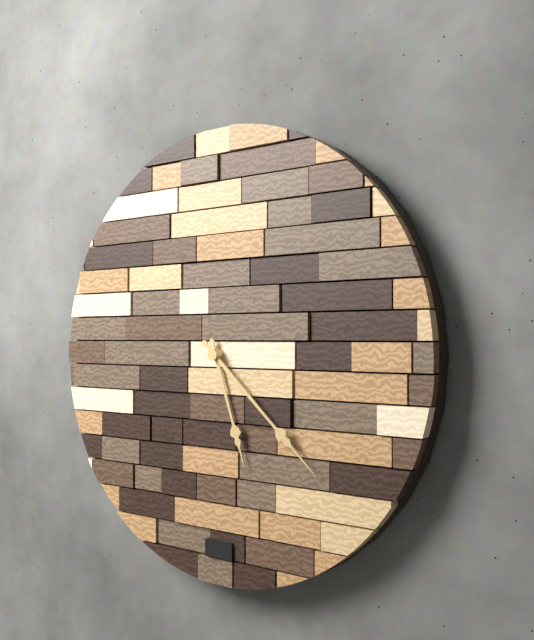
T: 5 h 22 min
